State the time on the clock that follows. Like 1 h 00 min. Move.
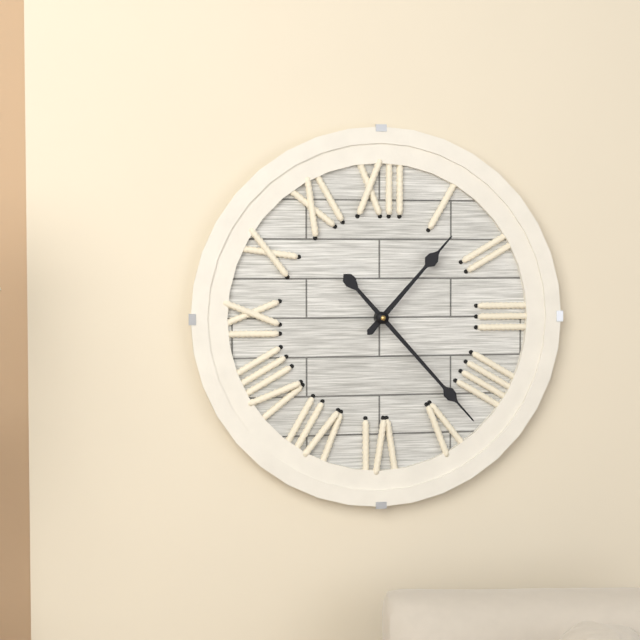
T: 1 h 23 min
